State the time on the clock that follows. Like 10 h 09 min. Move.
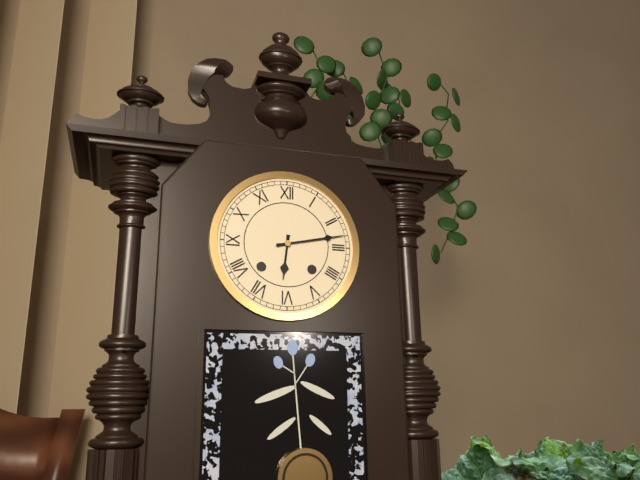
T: 6 h 13 min
